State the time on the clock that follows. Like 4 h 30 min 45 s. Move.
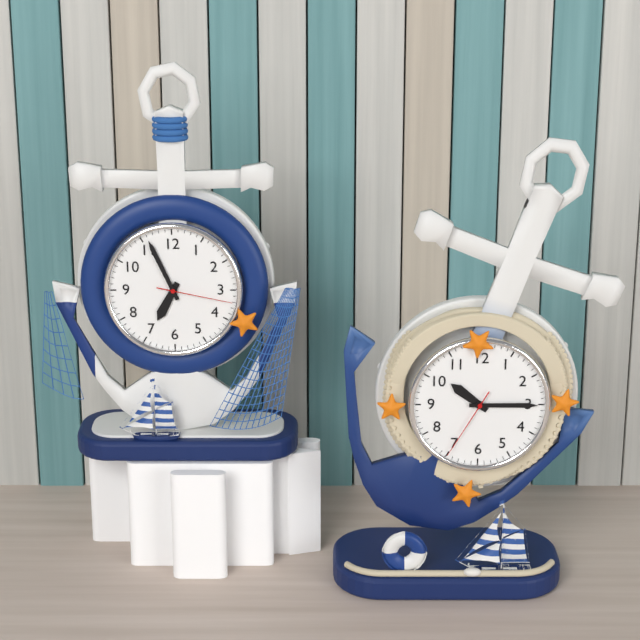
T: 6 h 56 min 17 s
